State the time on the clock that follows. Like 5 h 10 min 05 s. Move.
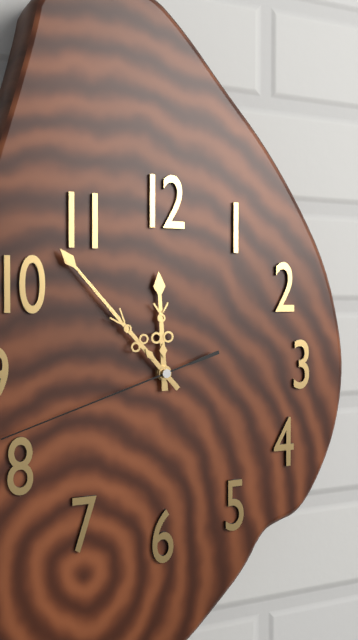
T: 11 h 53 min 42 s
